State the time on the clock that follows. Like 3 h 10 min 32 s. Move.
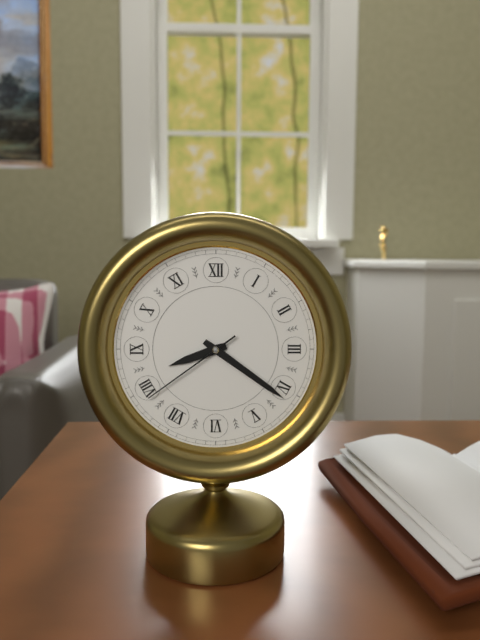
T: 8 h 21 min 39 s
